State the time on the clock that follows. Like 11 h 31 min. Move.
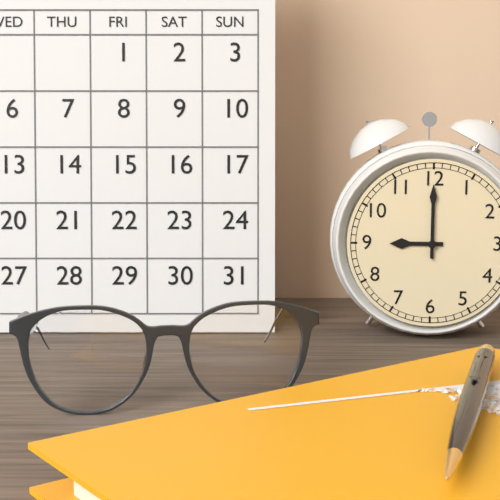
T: 9 h 00 min
